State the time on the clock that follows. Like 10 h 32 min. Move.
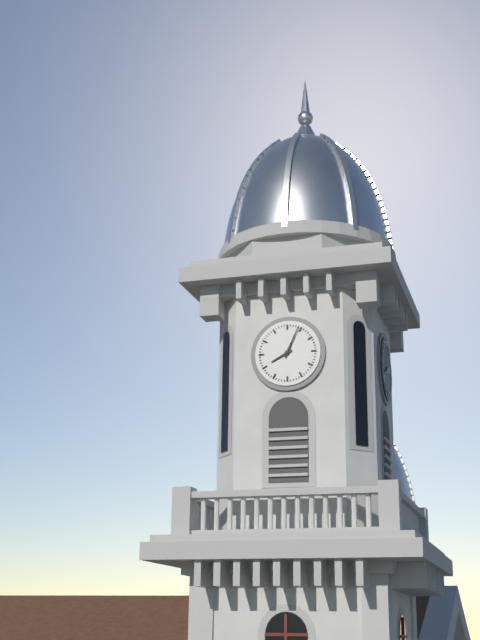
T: 8 h 04 min
